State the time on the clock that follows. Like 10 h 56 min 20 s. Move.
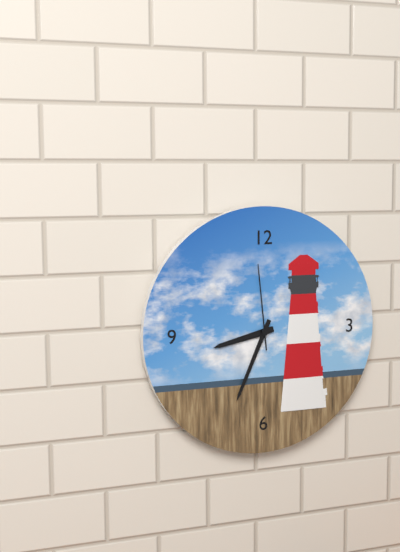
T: 8 h 34 min 59 s
